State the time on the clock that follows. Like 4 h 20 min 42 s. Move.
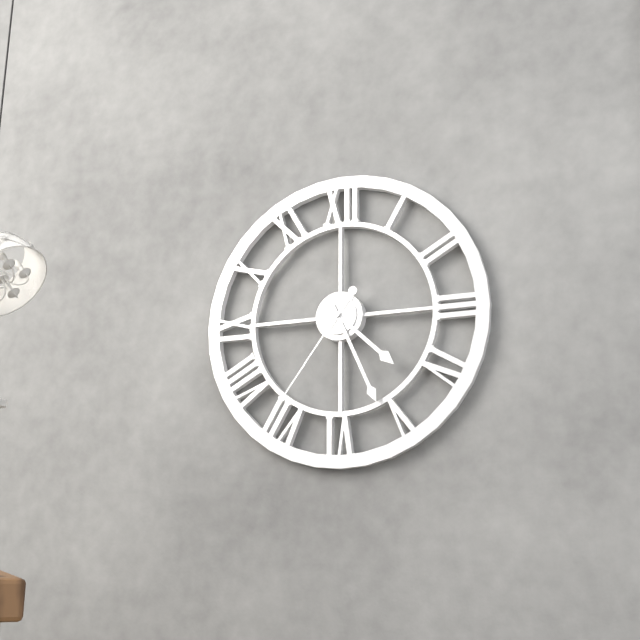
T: 4 h 26 min 36 s
